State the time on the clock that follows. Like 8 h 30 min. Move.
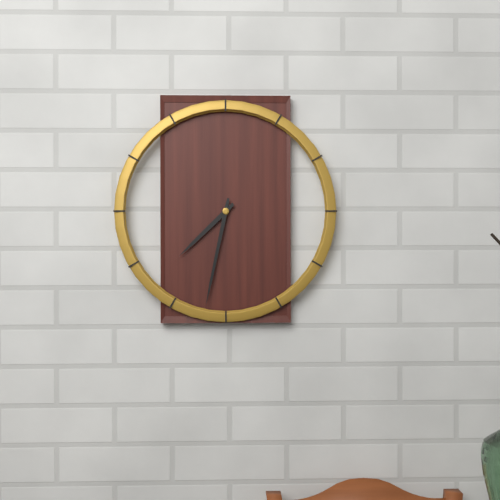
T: 7 h 32 min
